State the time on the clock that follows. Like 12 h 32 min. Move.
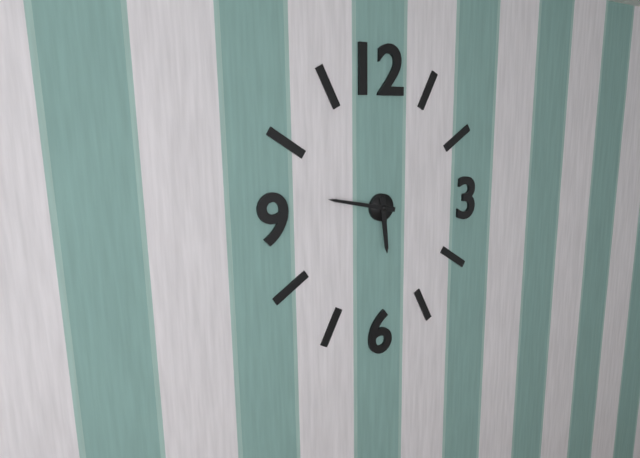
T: 5 h 47 min
